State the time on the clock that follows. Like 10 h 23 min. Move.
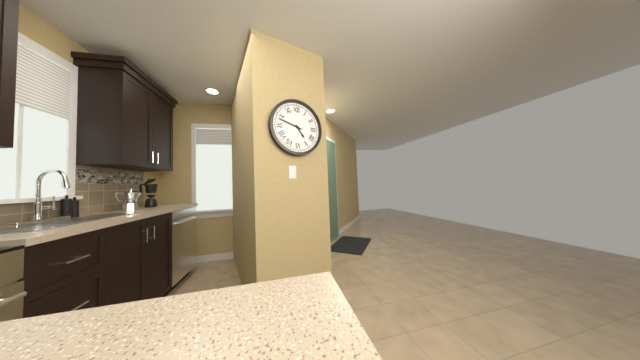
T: 4 h 48 min
